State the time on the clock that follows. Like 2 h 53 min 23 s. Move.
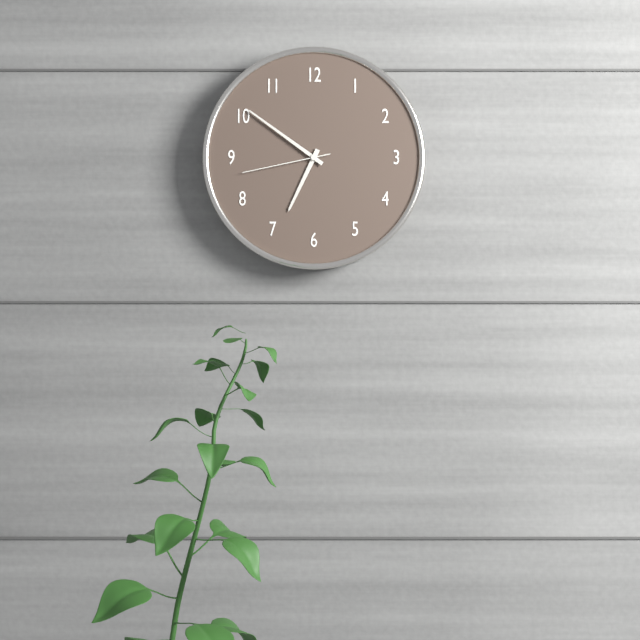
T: 6 h 51 min 43 s
